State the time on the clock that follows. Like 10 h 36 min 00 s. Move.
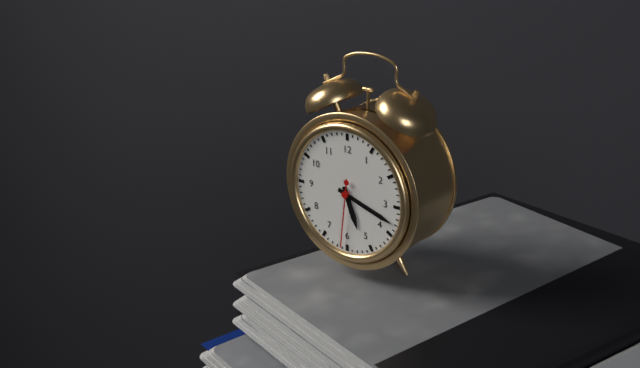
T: 5 h 18 min 31 s
